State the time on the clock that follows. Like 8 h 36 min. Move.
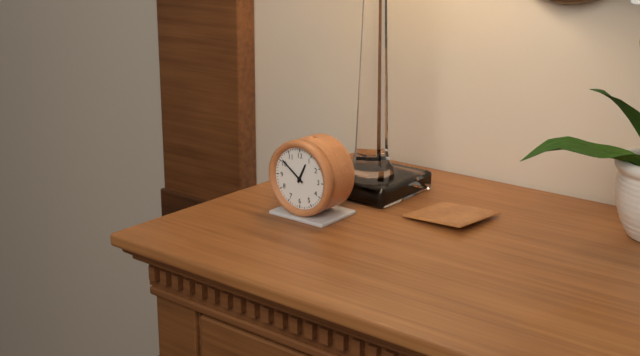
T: 12 h 51 min
